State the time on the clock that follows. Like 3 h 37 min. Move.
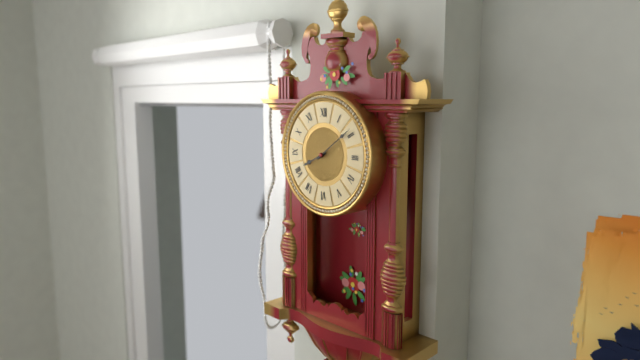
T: 8 h 09 min
